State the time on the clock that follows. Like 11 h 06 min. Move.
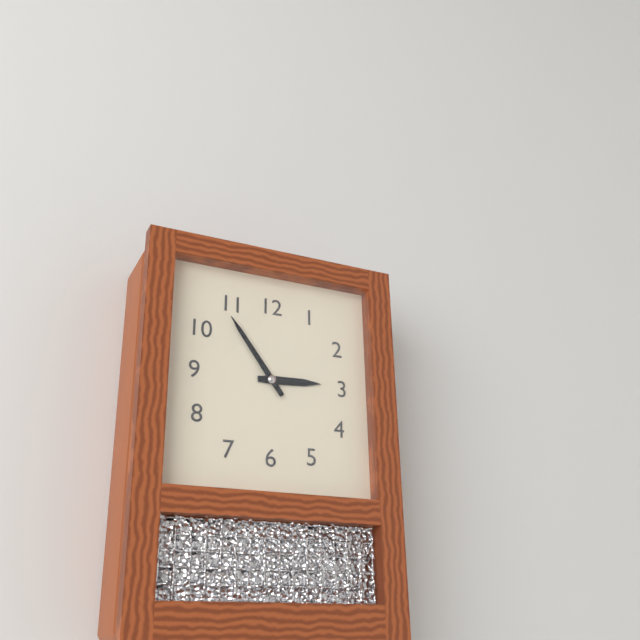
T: 2 h 54 min
